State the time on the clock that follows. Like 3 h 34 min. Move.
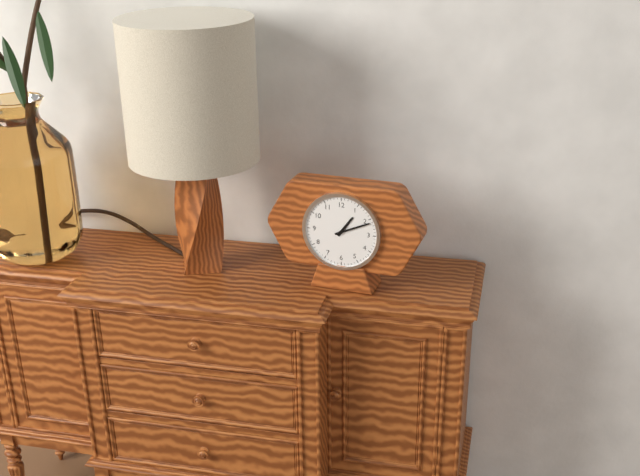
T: 1 h 11 min
